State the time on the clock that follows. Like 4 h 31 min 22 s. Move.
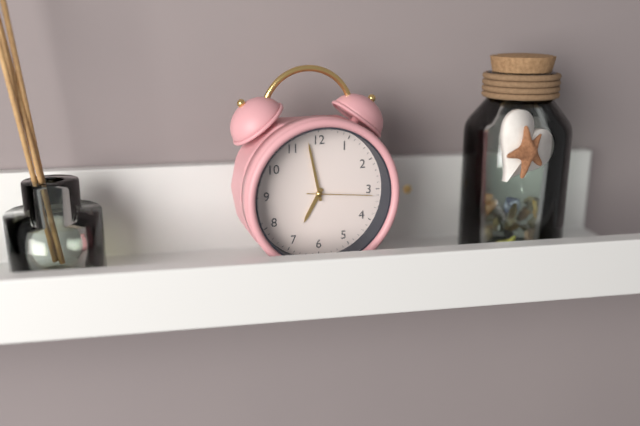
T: 6 h 58 min 16 s
